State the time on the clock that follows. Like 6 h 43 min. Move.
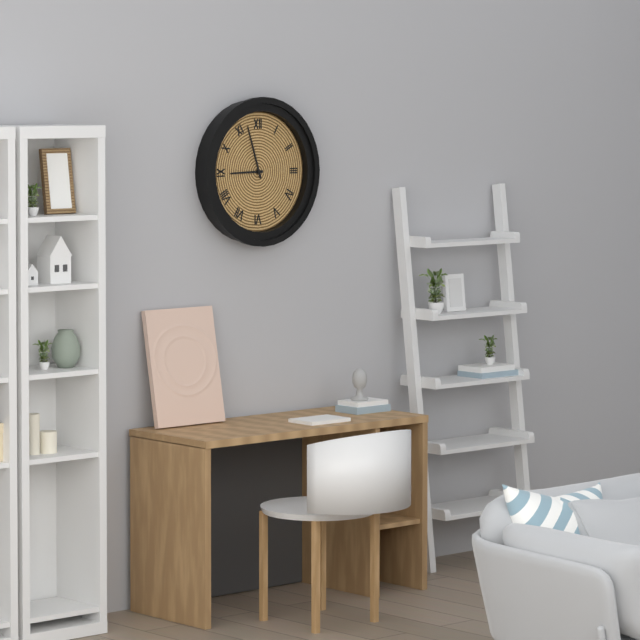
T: 8 h 57 min
